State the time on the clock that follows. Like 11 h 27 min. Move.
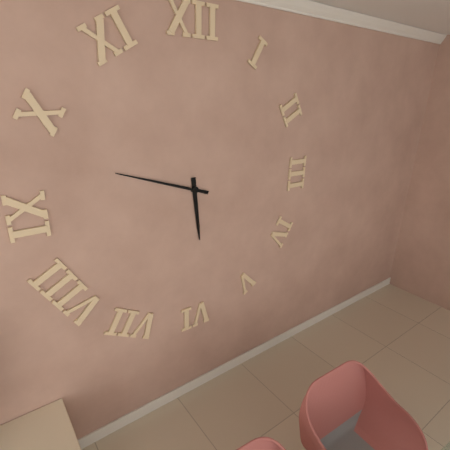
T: 5 h 48 min
